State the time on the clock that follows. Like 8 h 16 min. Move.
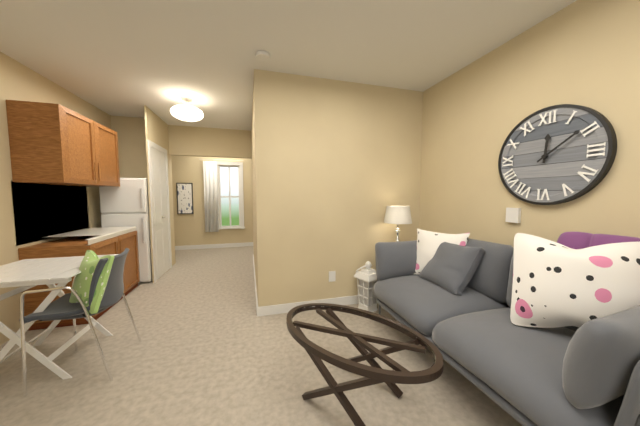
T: 12 h 09 min
